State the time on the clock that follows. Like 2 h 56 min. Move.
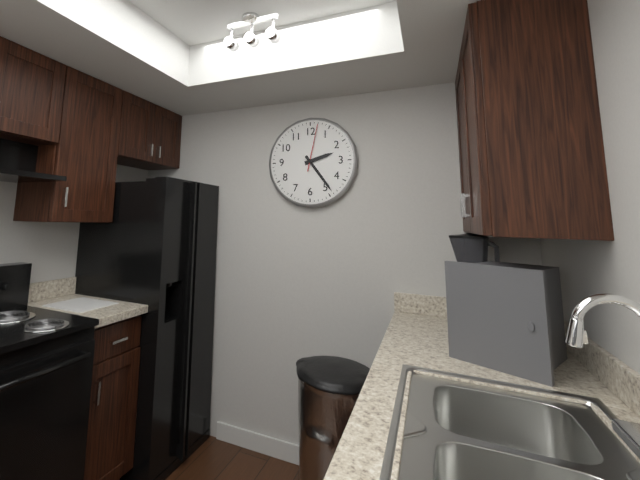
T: 2 h 24 min
